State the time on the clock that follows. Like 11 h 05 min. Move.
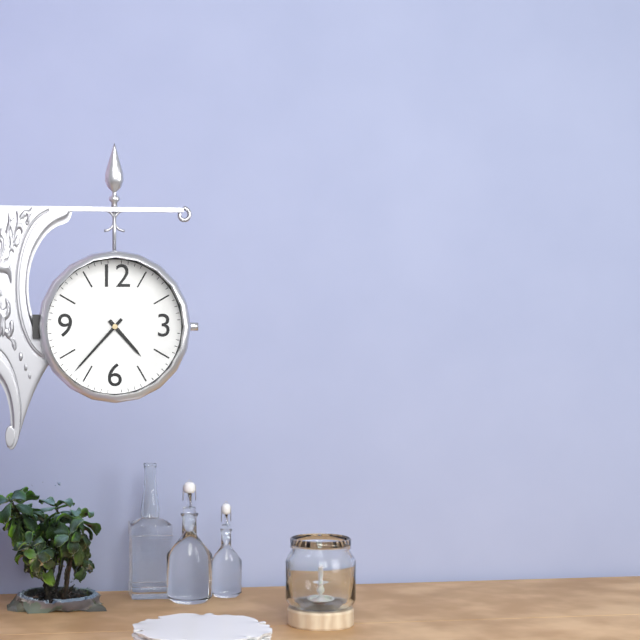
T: 4 h 37 min
